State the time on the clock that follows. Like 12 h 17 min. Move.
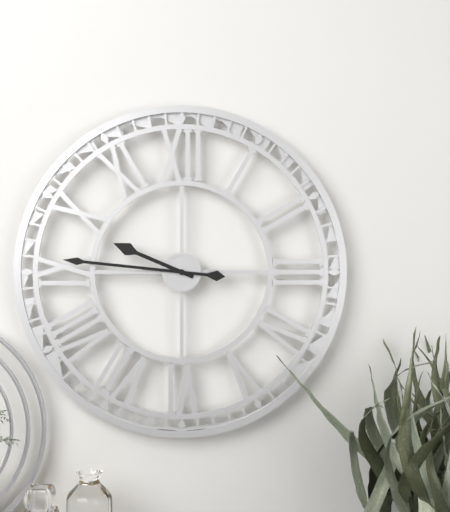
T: 9 h 46 min
